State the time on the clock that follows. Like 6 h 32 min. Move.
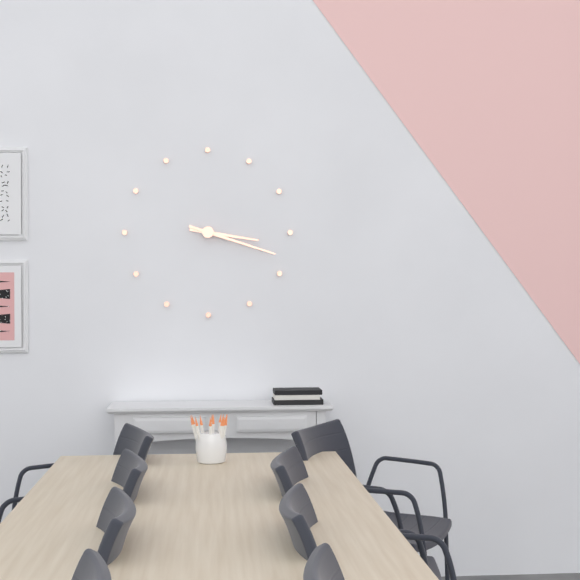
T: 3 h 18 min
